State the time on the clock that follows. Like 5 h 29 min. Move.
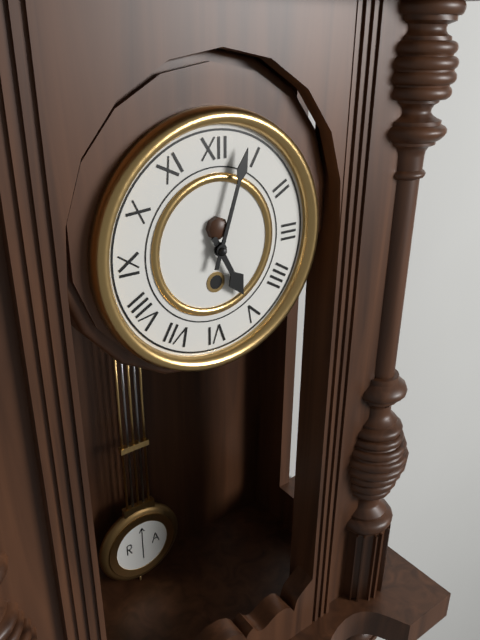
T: 5 h 03 min
